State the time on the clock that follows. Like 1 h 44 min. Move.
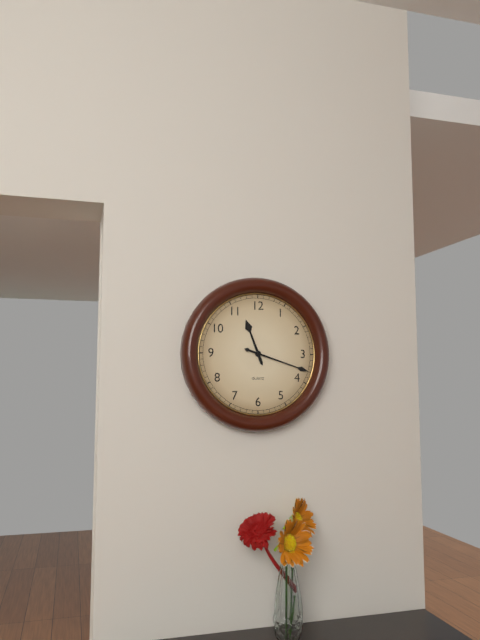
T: 11 h 18 min
